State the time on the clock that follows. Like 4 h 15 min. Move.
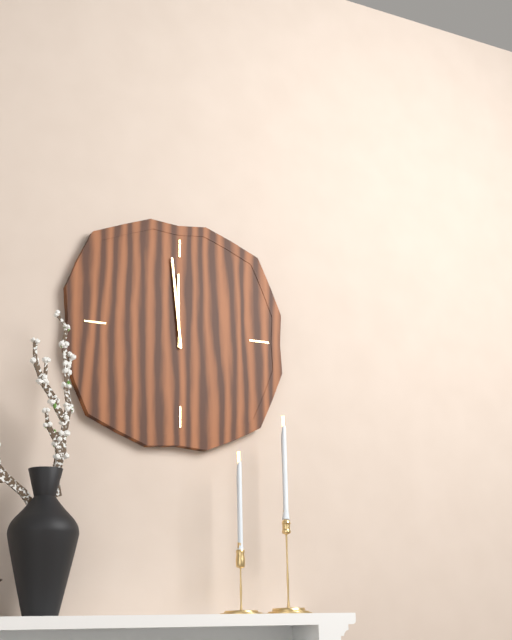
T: 11 h 59 min
